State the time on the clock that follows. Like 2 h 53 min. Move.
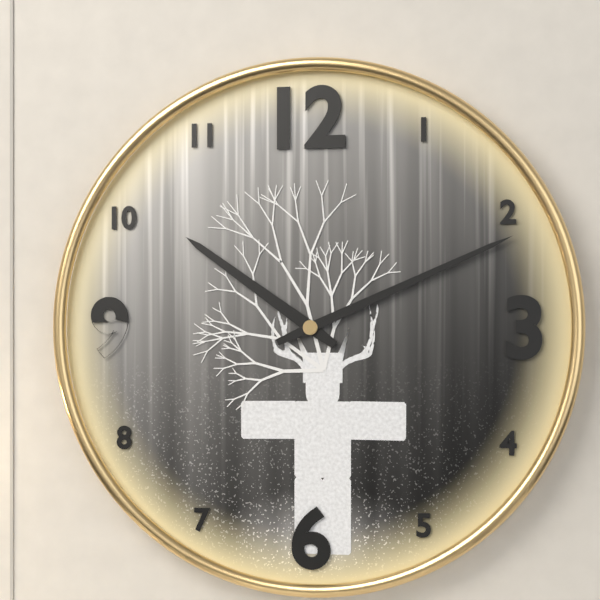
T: 10 h 11 min
